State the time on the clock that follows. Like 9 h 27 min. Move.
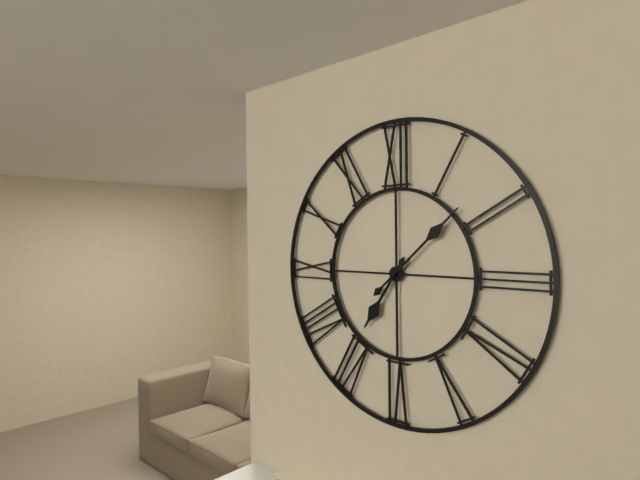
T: 7 h 08 min
